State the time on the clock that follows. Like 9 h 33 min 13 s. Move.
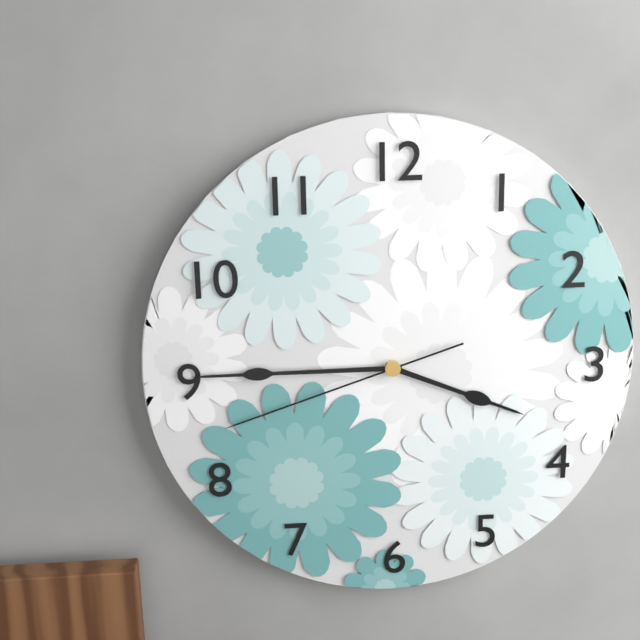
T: 3 h 45 min 42 s
